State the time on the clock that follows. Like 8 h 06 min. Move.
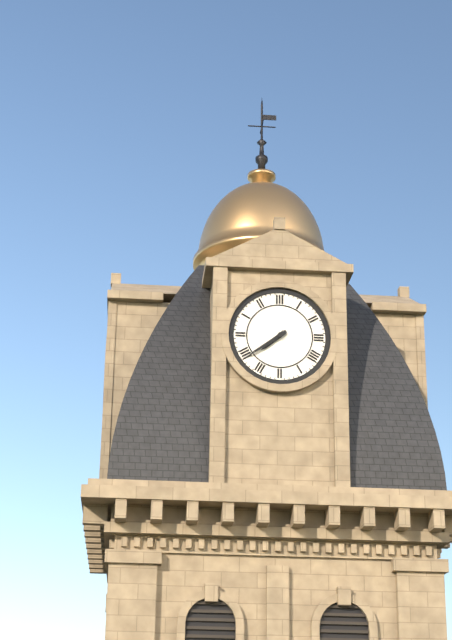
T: 7 h 39 min
